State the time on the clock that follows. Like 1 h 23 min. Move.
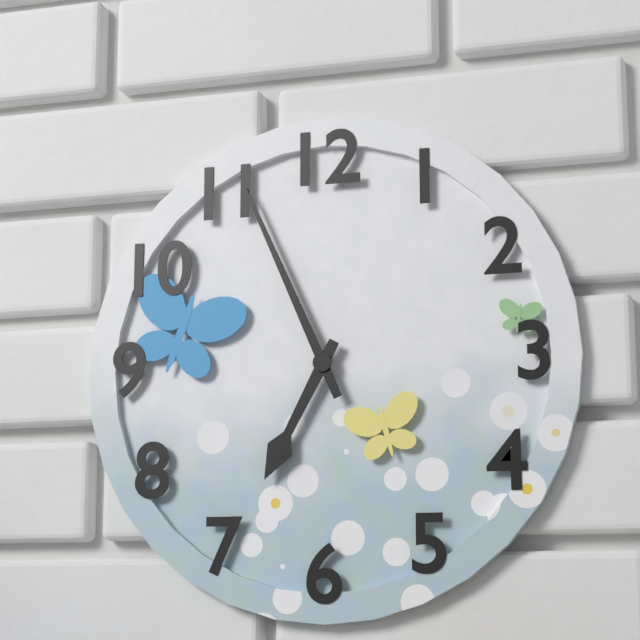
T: 6 h 56 min
